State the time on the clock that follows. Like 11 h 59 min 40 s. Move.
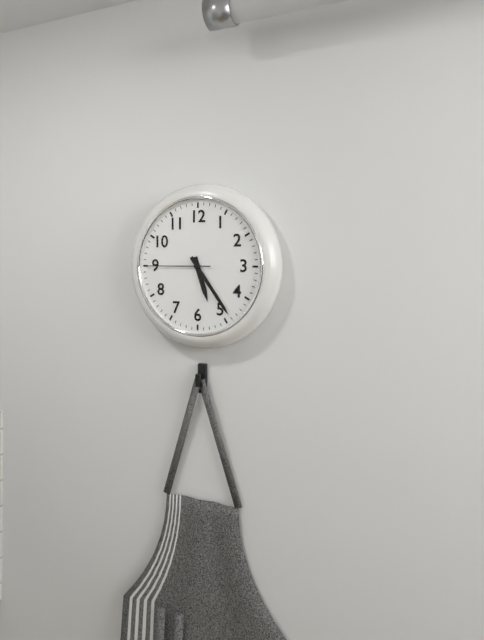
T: 5 h 24 min 45 s
